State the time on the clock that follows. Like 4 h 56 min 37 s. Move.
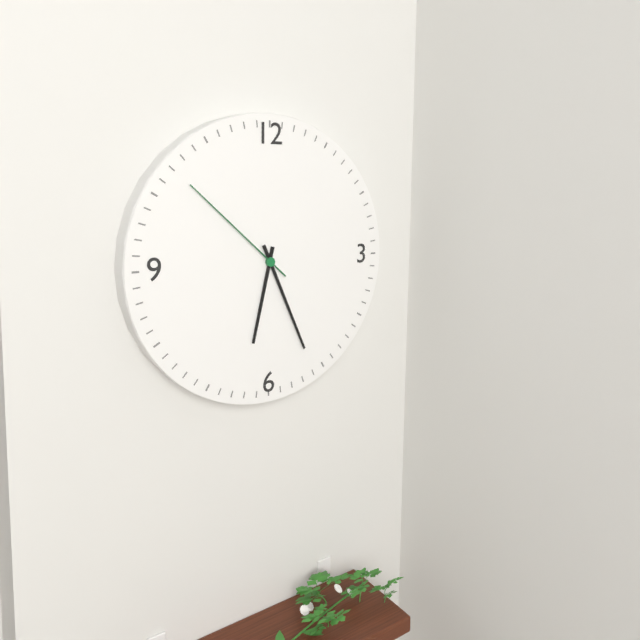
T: 6 h 26 min 52 s
